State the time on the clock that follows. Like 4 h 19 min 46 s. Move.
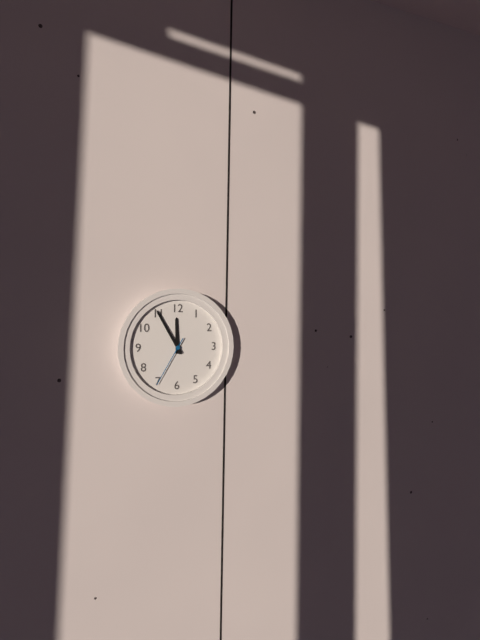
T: 11 h 55 min 35 s
